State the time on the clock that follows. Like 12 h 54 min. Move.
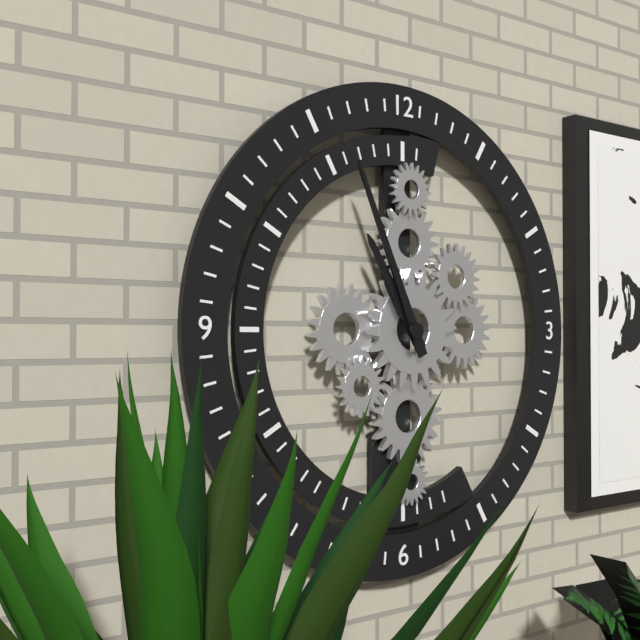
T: 10 h 56 min
